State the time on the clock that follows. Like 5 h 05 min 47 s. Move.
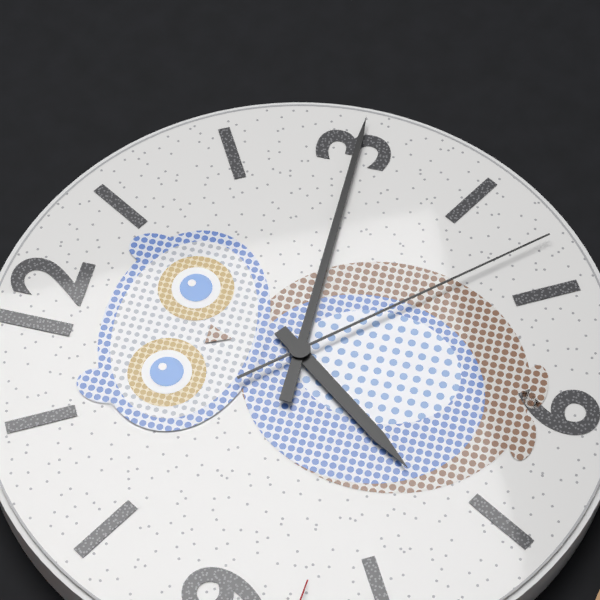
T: 7 h 15 min 23 s
